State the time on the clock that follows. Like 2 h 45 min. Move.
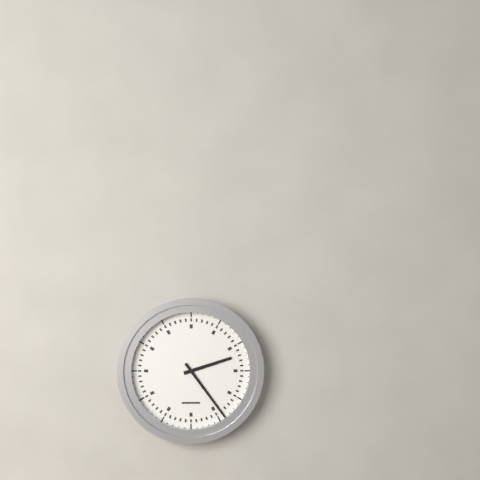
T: 2 h 24 min
